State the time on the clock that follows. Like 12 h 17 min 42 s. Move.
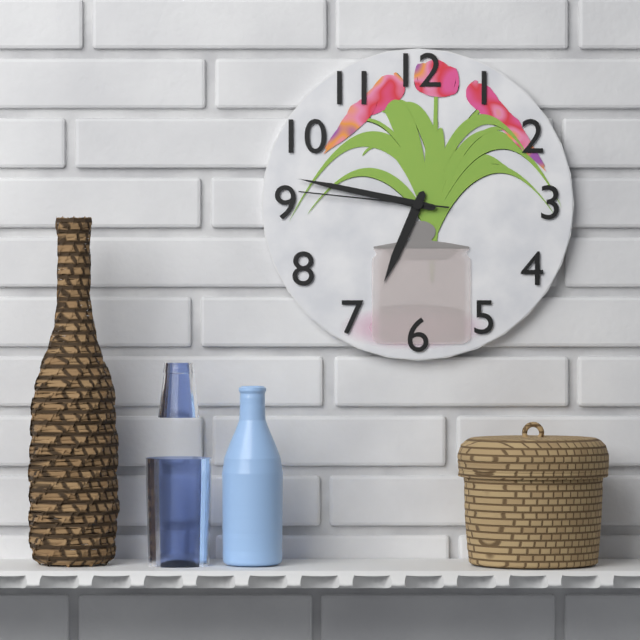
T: 6 h 47 min 46 s
